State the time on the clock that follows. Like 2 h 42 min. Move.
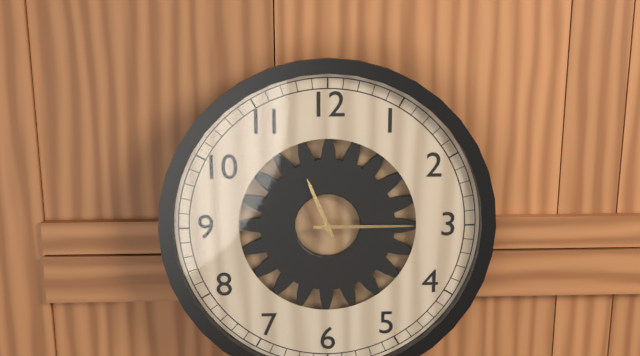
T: 11 h 15 min
